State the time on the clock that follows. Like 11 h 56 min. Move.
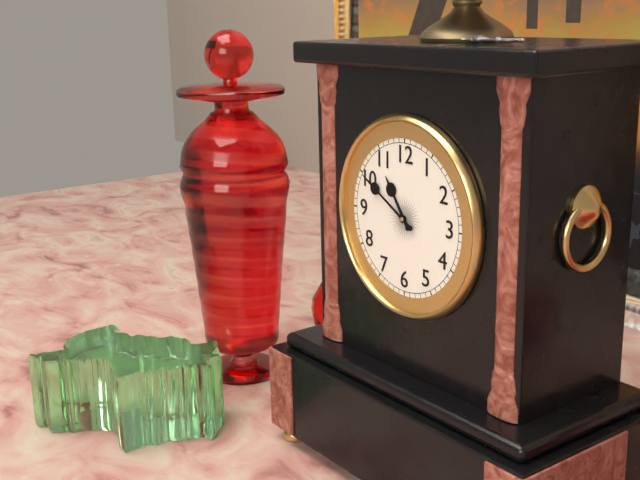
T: 10 h 50 min
